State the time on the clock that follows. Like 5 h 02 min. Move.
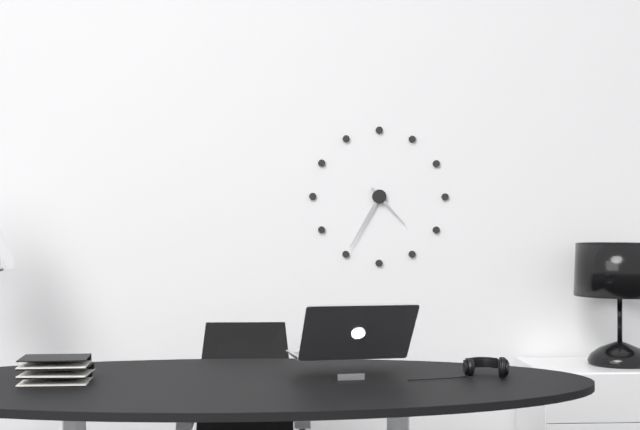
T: 4 h 35 min
